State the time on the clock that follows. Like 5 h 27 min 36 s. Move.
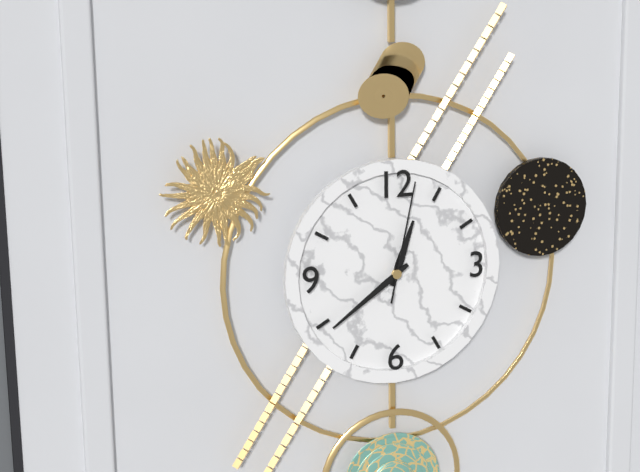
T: 12 h 39 min 02 s
